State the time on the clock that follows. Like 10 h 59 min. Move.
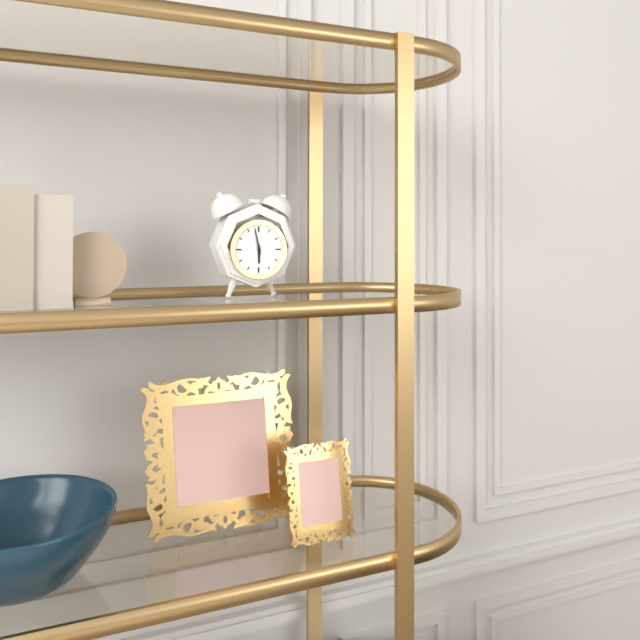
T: 5 h 58 min
